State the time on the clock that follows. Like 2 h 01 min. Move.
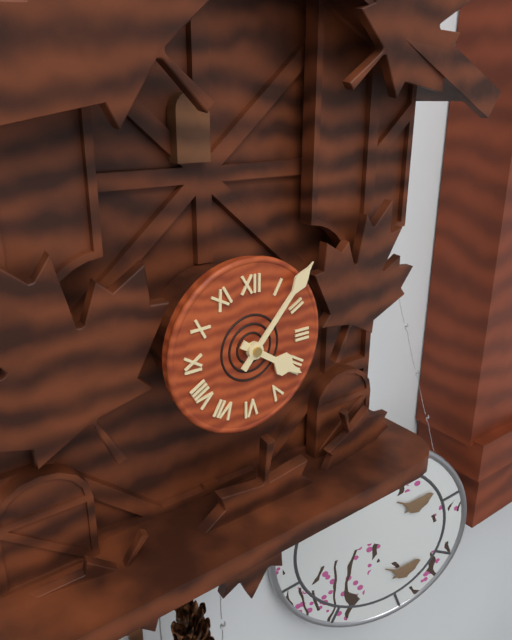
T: 4 h 07 min
